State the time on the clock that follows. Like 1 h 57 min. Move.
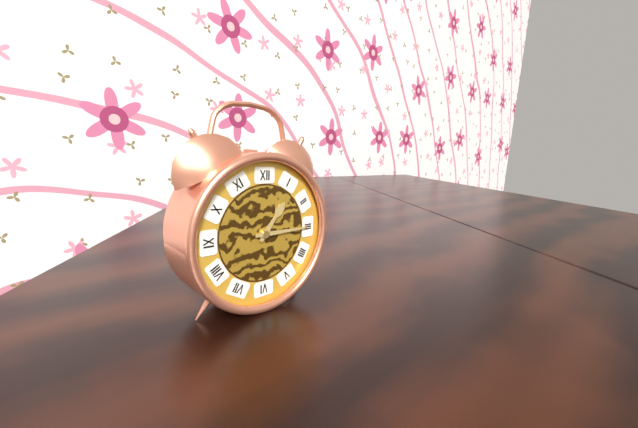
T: 1 h 15 min
